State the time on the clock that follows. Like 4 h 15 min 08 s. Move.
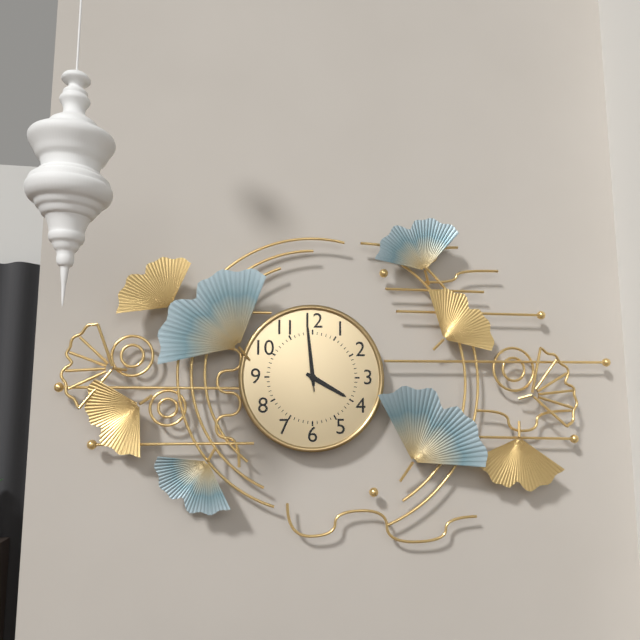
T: 3 h 59 min 59 s
